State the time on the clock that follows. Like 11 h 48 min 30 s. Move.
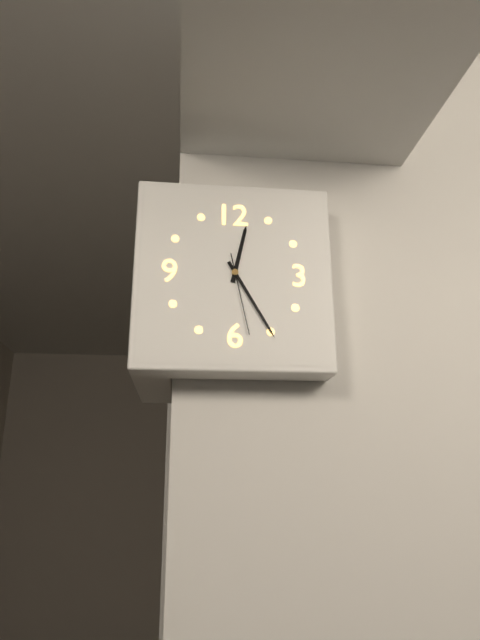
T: 12 h 25 min 28 s
